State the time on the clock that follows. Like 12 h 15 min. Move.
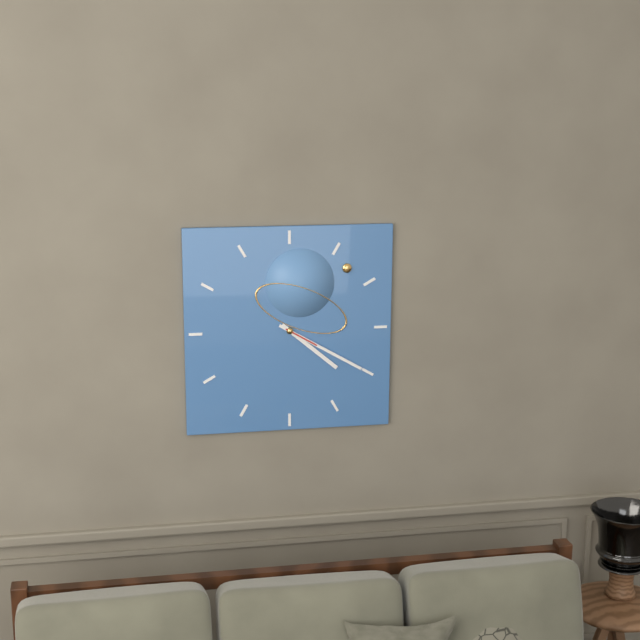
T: 4 h 20 min
